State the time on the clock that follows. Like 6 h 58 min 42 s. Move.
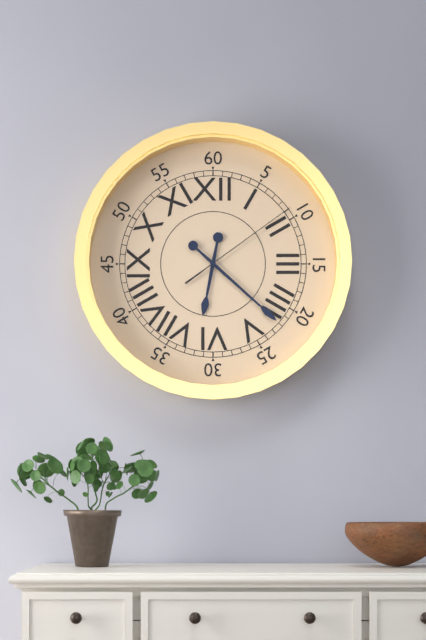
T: 6 h 22 min 09 s
